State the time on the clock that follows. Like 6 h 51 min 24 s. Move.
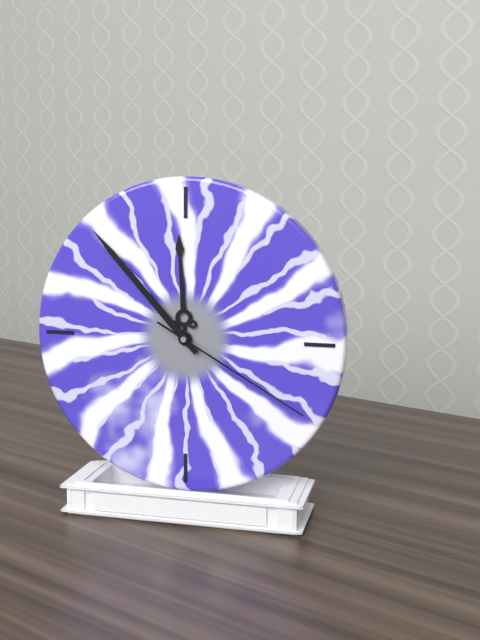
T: 11 h 53 min 20 s
